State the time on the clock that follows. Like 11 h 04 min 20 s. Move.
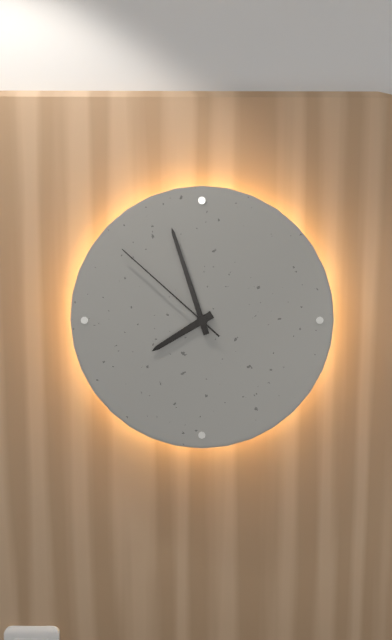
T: 7 h 57 min 52 s
